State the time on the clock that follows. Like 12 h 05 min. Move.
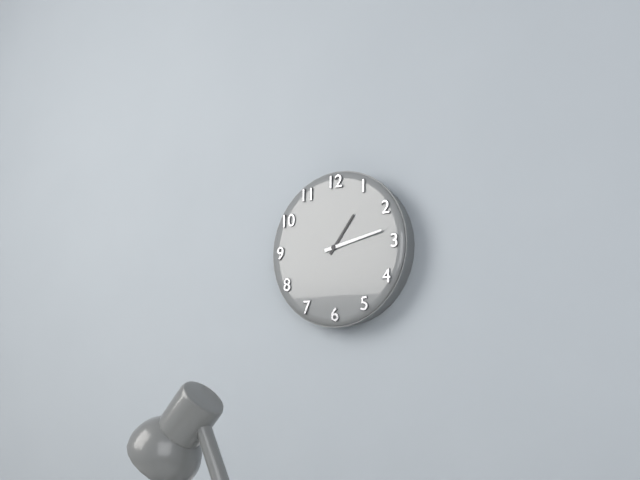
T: 1 h 13 min
